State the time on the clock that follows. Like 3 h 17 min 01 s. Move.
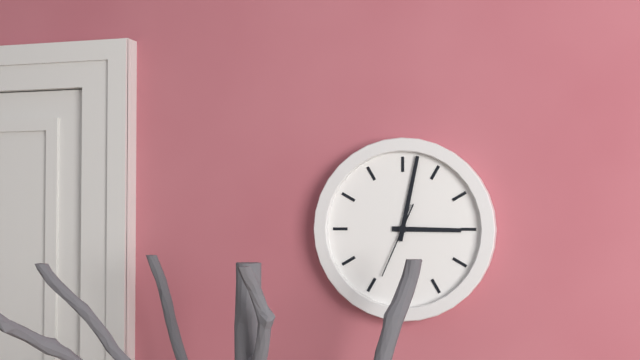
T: 3 h 02 min 34 s
